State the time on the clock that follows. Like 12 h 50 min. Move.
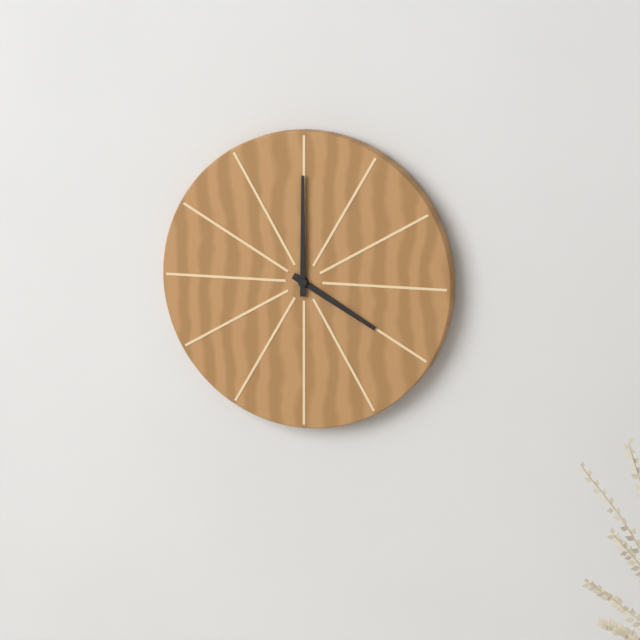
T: 4 h 00 min
